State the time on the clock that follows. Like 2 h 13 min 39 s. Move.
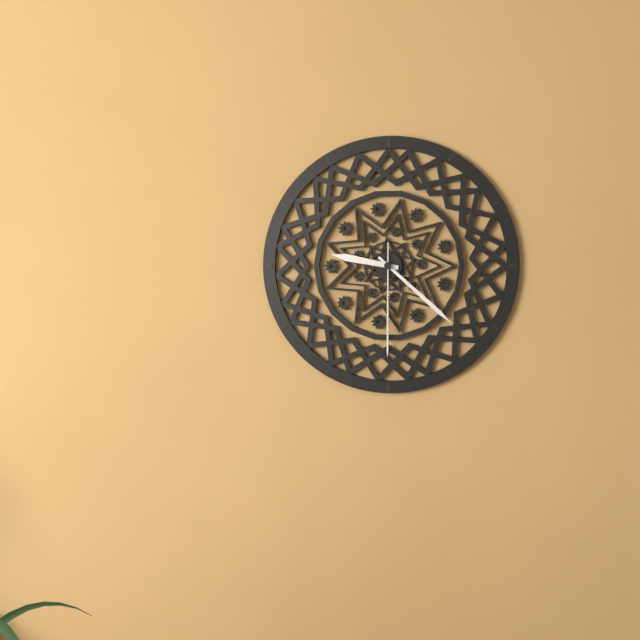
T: 9 h 22 min 30 s
